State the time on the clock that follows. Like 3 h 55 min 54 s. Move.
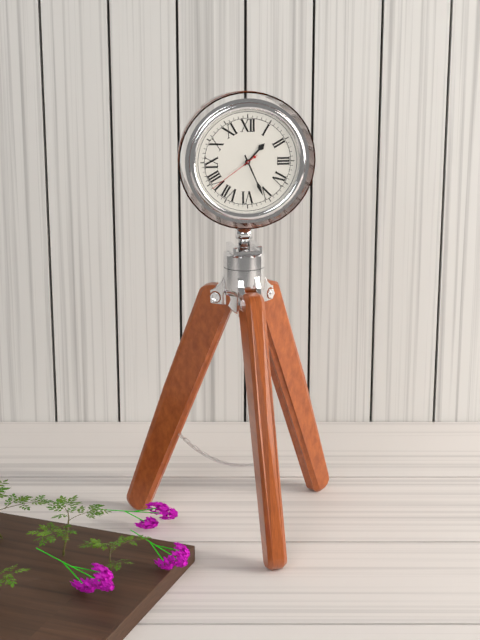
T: 1 h 26 min 39 s
